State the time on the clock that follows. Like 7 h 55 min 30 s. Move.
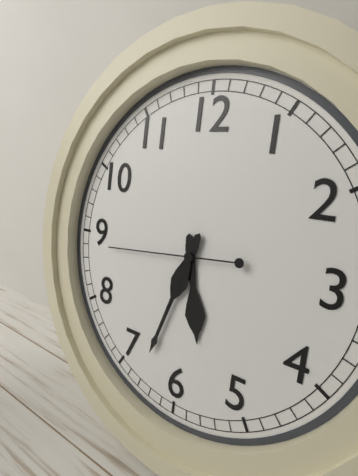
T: 5 h 33 min 44 s
